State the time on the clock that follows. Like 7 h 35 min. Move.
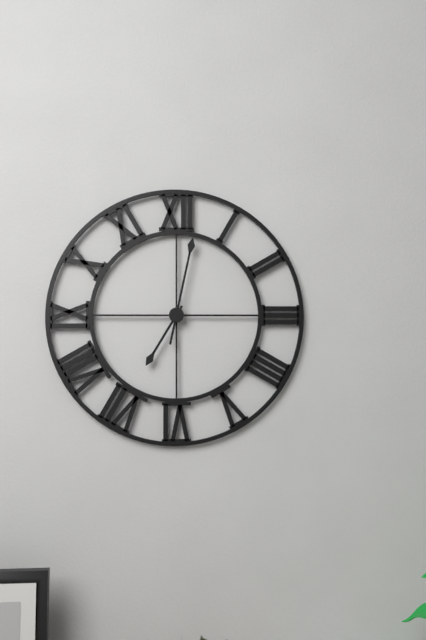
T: 7 h 02 min
